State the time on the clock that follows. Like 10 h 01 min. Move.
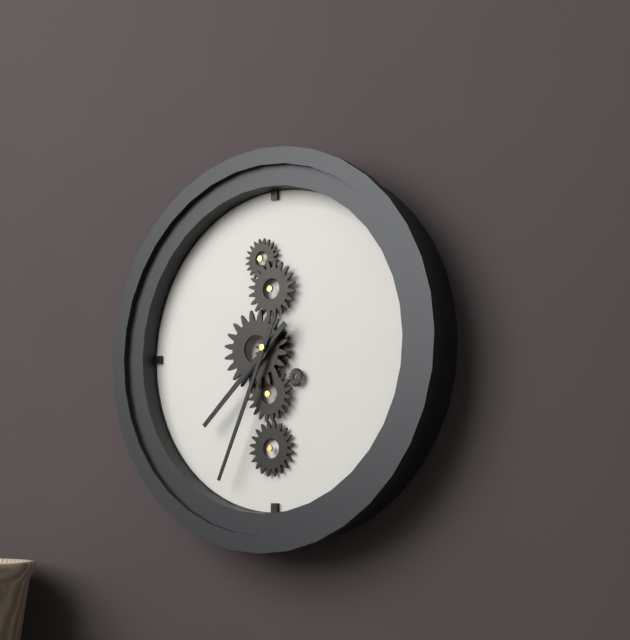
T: 7 h 34 min
